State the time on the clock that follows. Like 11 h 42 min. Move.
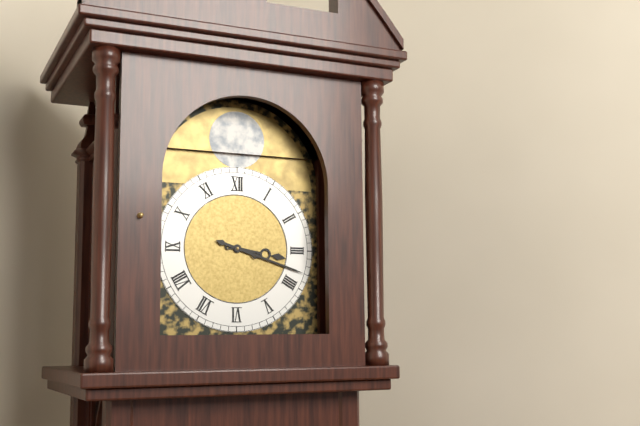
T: 3 h 18 min
